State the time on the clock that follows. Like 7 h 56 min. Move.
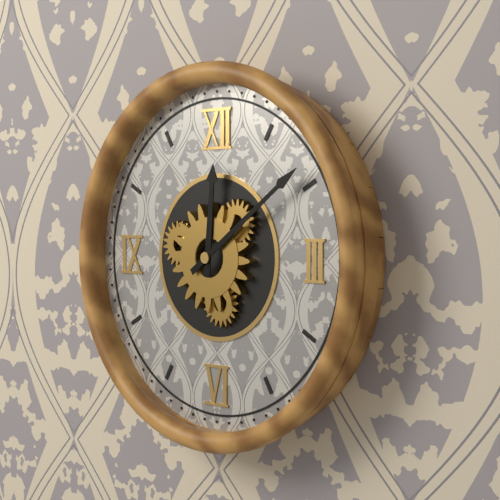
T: 12 h 09 min
